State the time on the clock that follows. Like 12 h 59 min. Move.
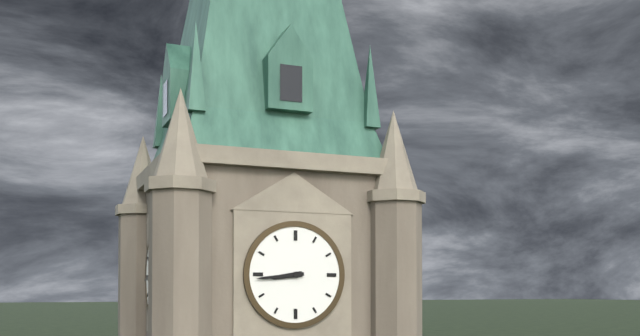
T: 8 h 44 min
